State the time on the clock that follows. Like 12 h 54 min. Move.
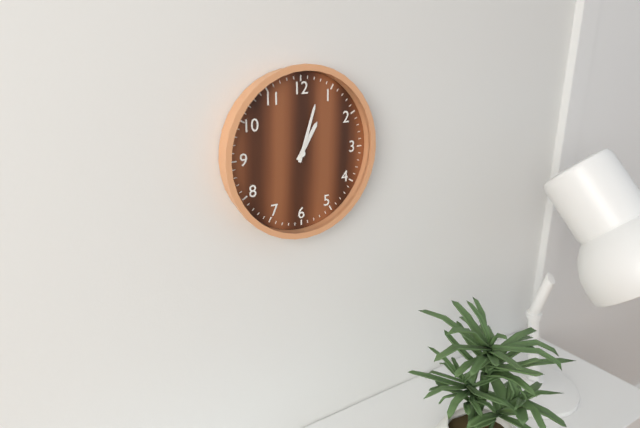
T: 1 h 03 min
